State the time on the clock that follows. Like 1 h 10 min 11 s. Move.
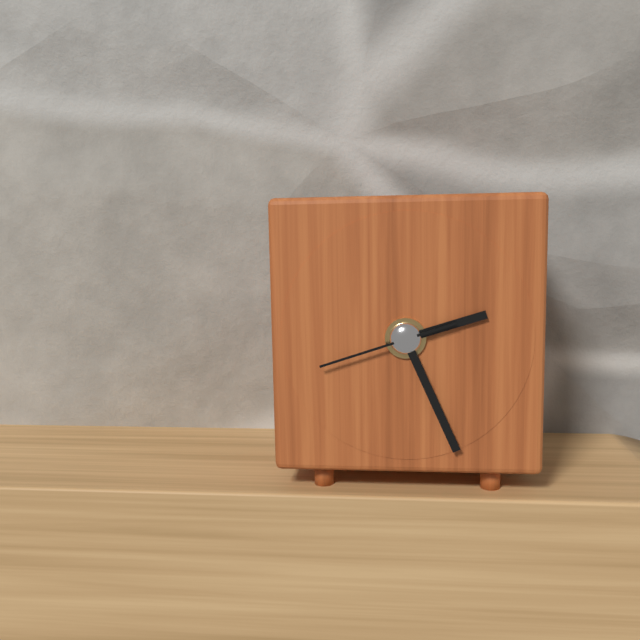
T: 2 h 26 min 42 s
